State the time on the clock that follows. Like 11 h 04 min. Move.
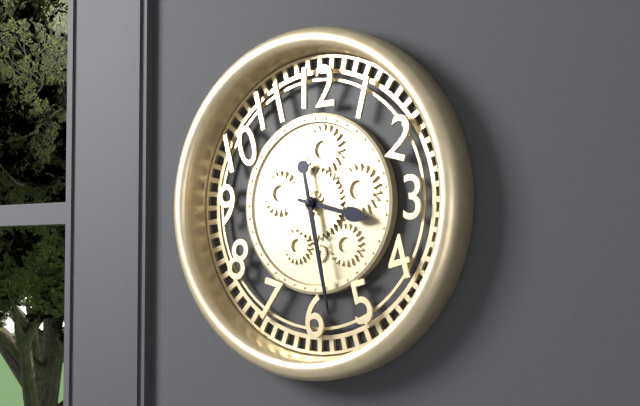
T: 3 h 28 min
